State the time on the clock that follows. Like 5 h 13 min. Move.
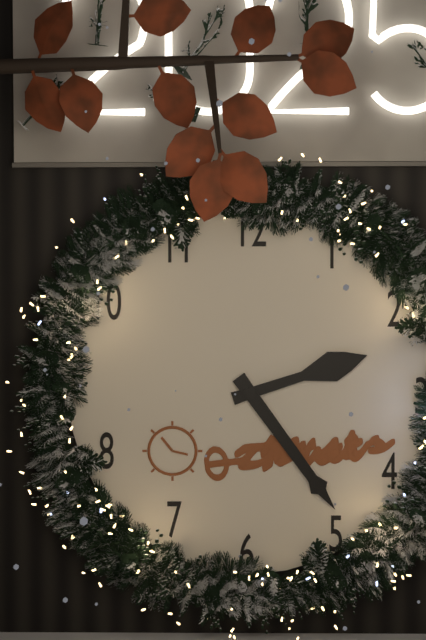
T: 2 h 24 min
